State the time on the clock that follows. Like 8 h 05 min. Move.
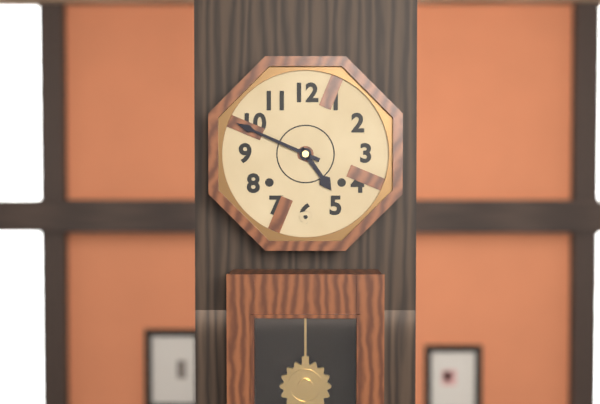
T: 4 h 49 min
